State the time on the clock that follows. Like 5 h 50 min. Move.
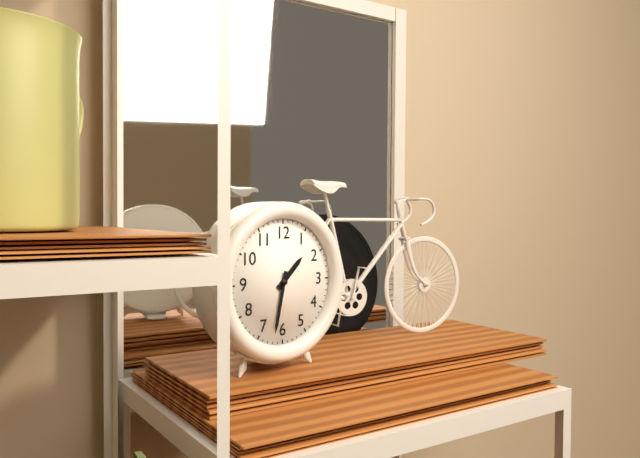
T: 1 h 32 min
